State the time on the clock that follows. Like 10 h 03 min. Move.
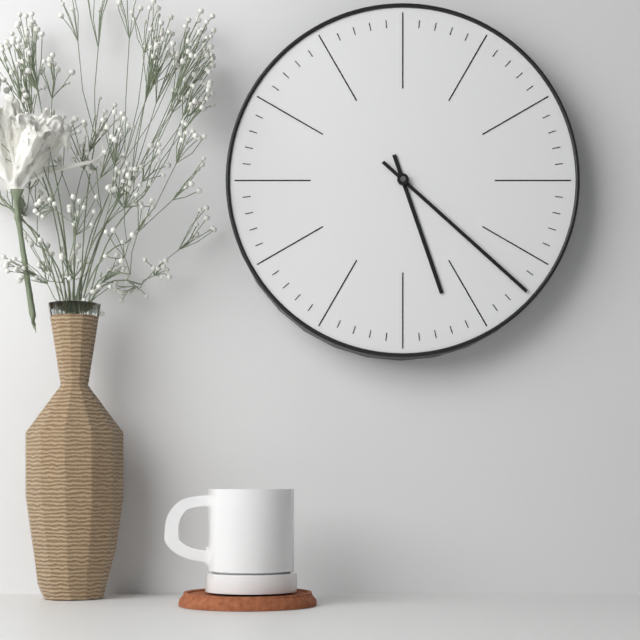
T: 5 h 22 min
